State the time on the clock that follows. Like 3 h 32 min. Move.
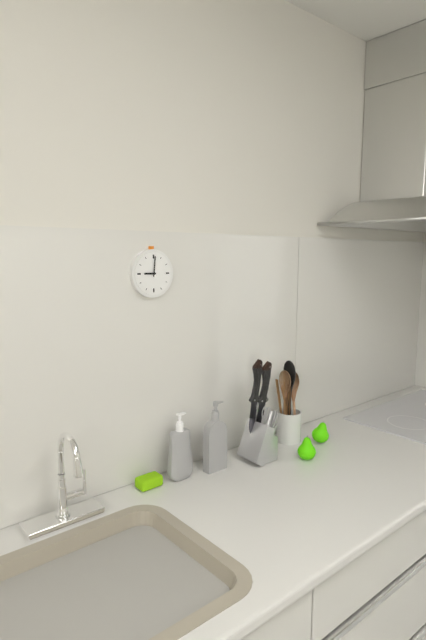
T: 9 h 01 min
